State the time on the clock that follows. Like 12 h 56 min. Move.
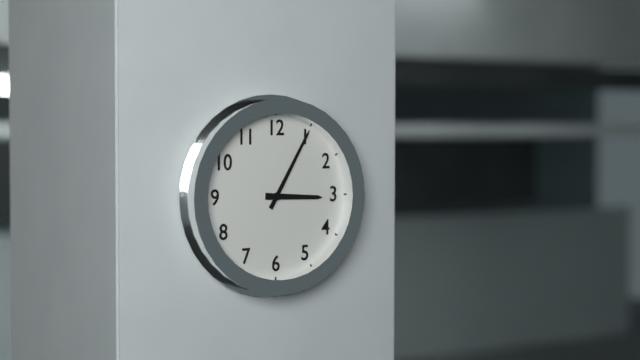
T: 3 h 05 min
